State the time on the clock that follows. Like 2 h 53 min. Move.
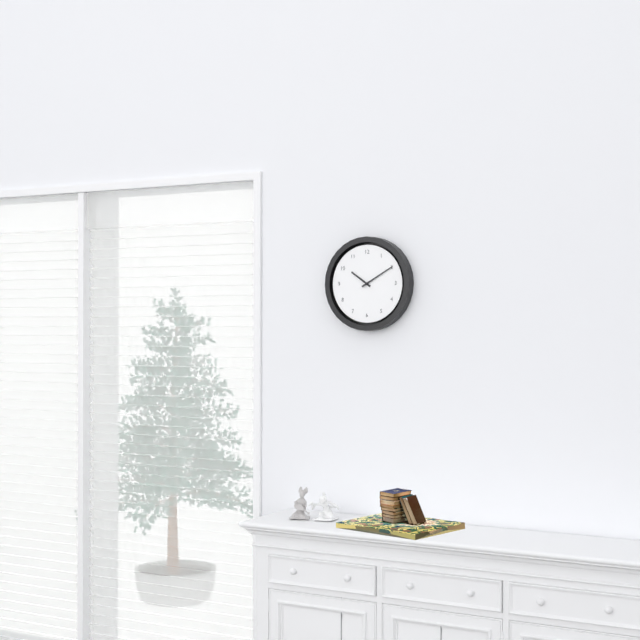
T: 10 h 10 min
